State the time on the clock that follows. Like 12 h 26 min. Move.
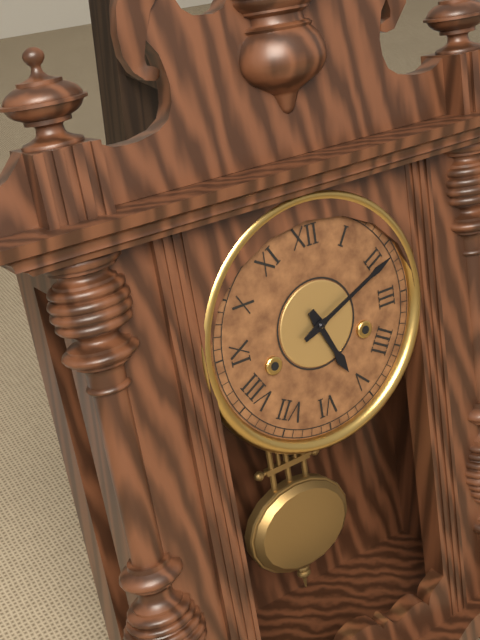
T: 5 h 11 min
